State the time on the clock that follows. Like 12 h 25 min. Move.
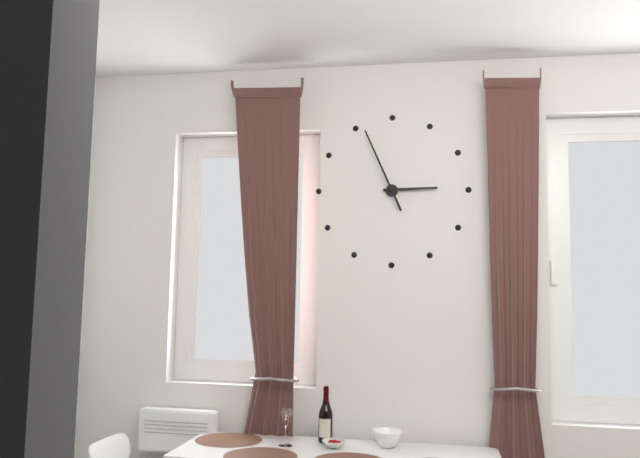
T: 2 h 56 min
